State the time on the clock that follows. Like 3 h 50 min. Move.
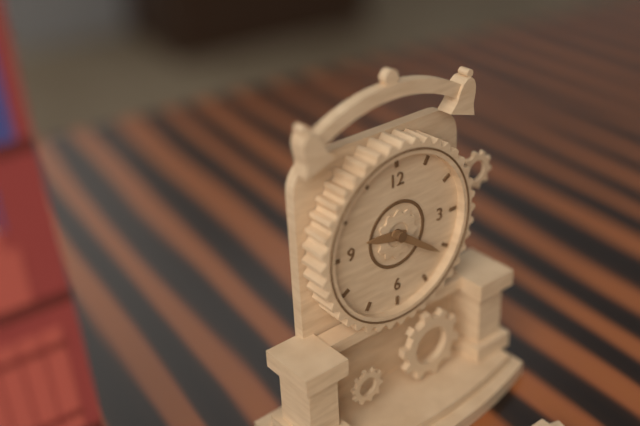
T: 9 h 21 min
